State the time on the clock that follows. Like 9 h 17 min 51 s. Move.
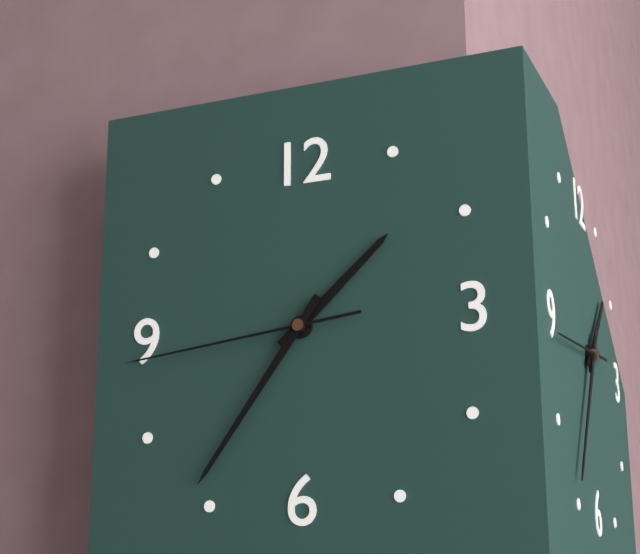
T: 1 h 36 min 44 s
